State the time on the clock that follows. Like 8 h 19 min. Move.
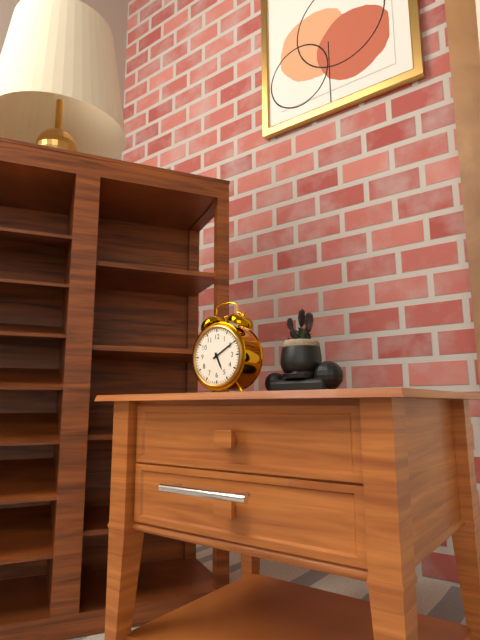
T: 5 h 10 min
